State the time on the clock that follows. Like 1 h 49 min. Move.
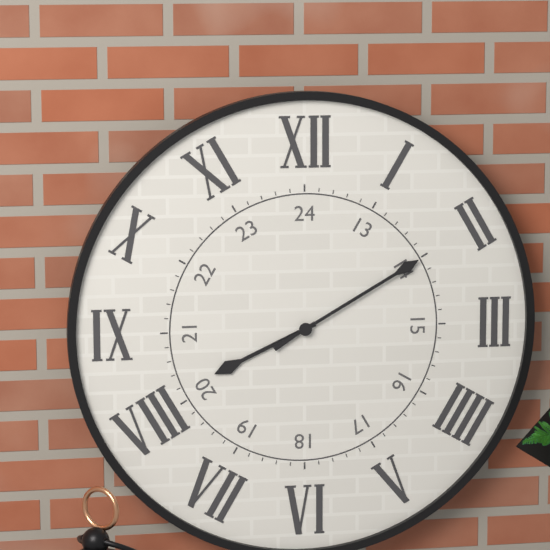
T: 8 h 10 min
